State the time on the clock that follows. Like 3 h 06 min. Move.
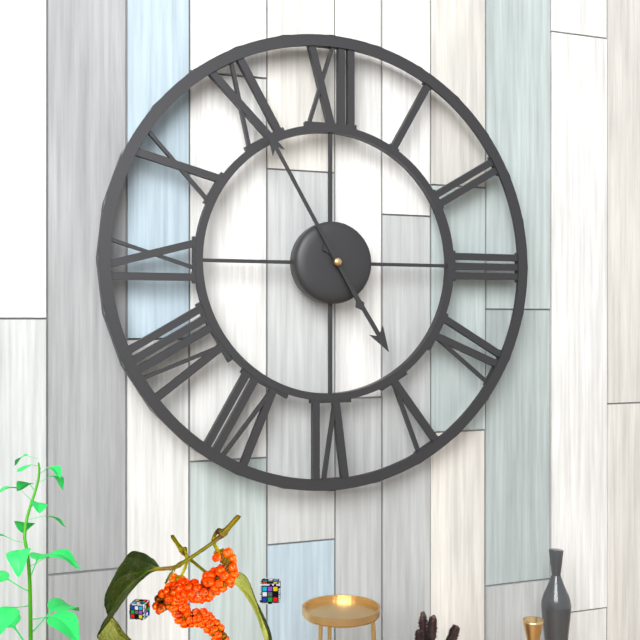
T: 4 h 55 min
